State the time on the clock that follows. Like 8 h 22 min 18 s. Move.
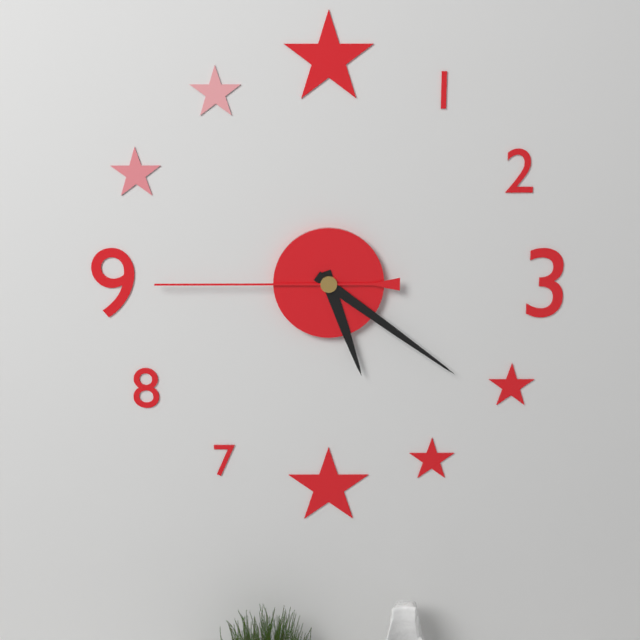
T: 5 h 21 min 45 s
